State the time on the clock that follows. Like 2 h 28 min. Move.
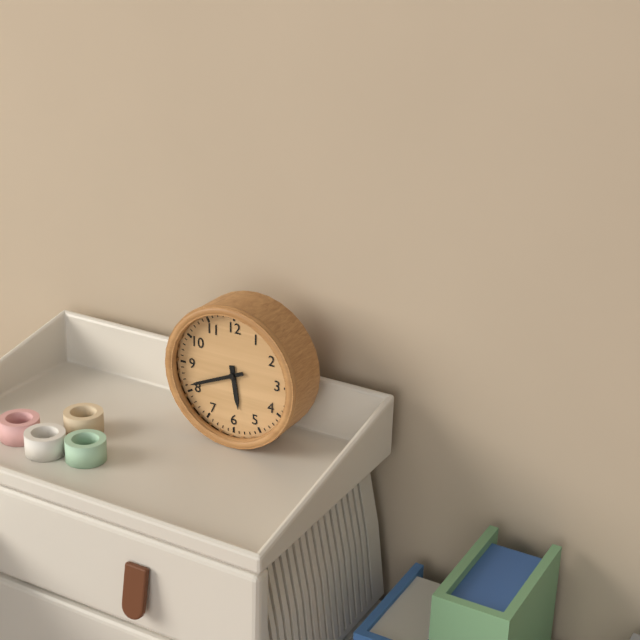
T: 5 h 41 min
